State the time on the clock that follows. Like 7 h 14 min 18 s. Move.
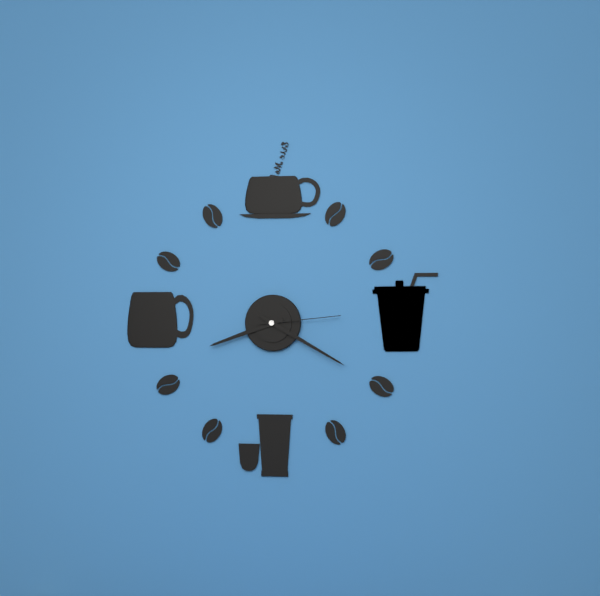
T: 8 h 20 min 14 s
